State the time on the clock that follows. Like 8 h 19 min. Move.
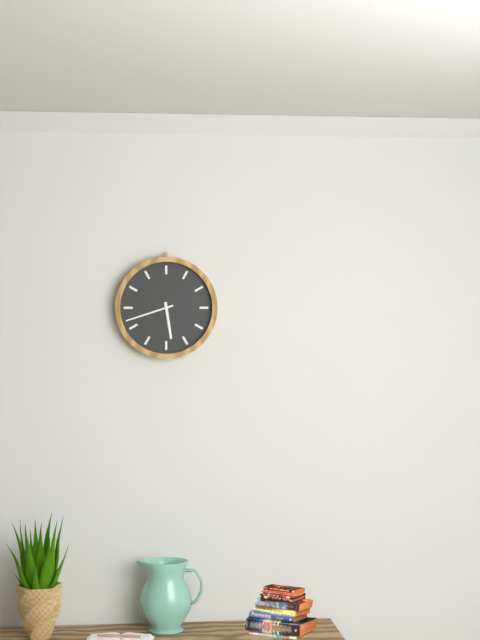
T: 5 h 42 min
